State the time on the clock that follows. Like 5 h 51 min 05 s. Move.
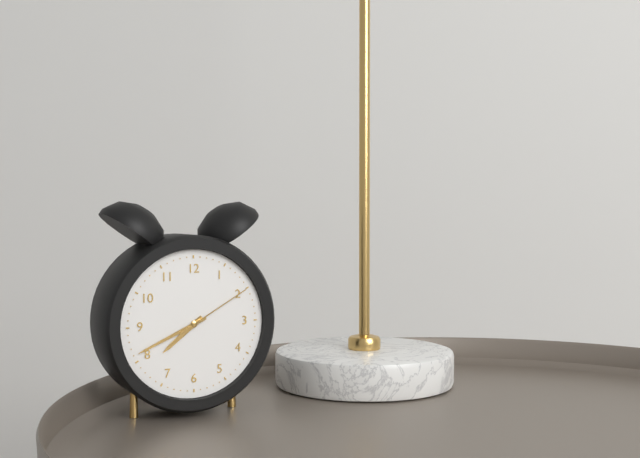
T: 7 h 41 min 10 s
